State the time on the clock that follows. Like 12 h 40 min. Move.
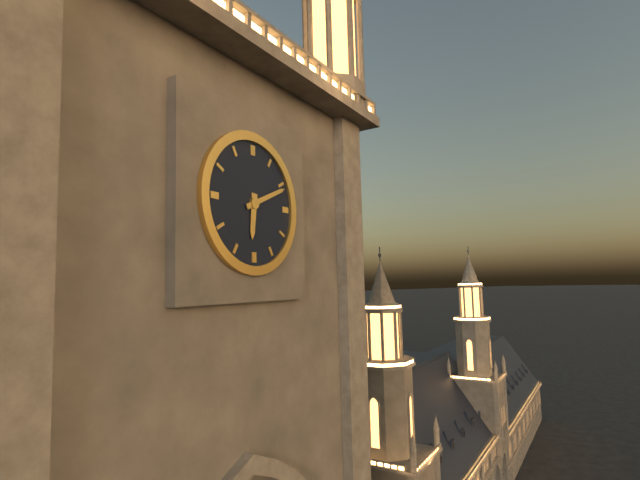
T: 6 h 11 min
